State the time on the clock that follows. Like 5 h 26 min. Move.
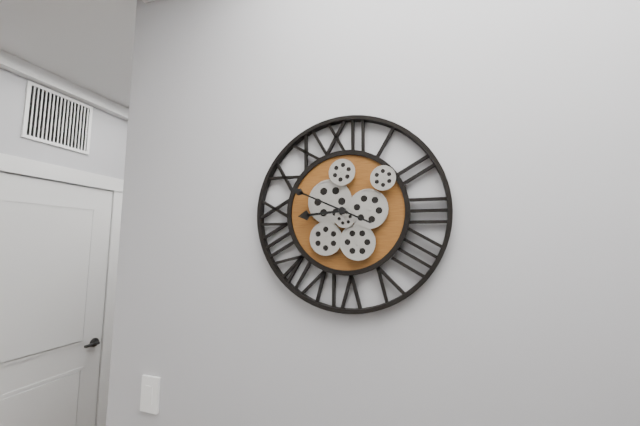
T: 8 h 49 min
